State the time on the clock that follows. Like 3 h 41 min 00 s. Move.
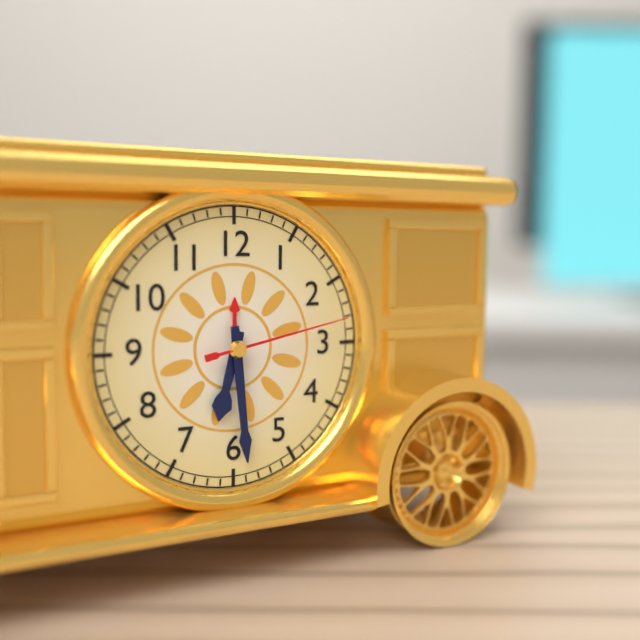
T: 6 h 29 min 13 s
